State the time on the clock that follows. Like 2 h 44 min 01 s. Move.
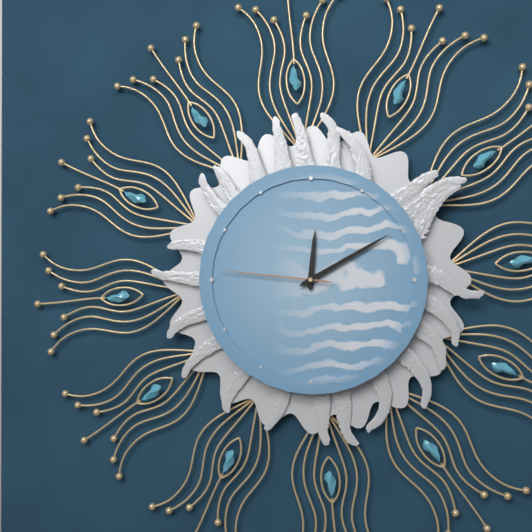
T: 12 h 10 min 46 s
